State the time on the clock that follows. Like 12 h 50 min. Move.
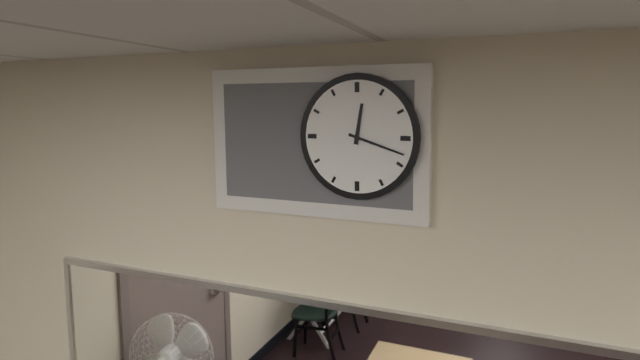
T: 12 h 18 min
